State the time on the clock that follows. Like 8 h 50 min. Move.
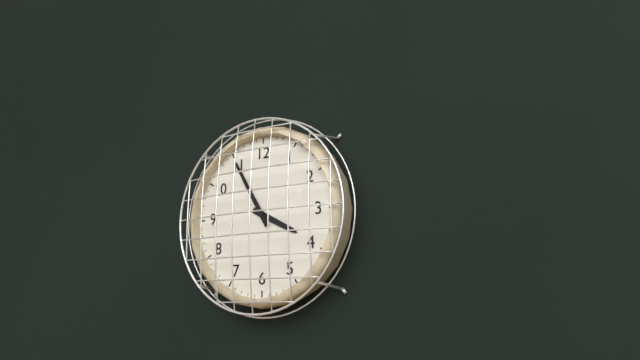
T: 3 h 55 min
